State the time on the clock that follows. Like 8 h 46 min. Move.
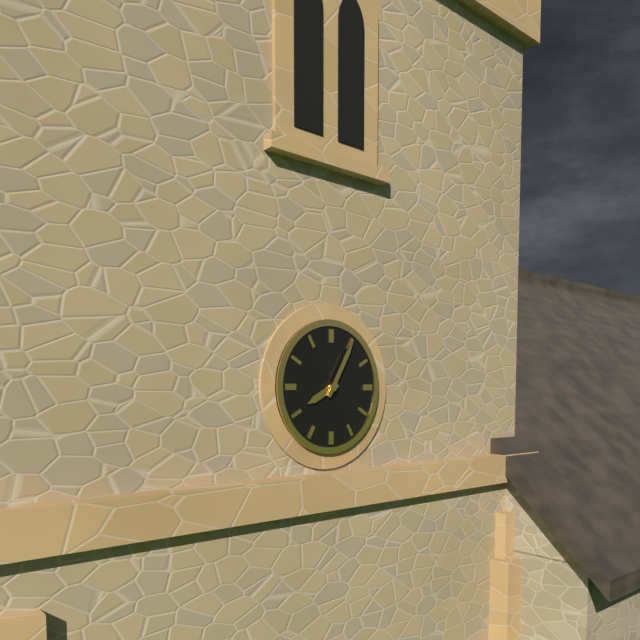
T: 8 h 05 min
